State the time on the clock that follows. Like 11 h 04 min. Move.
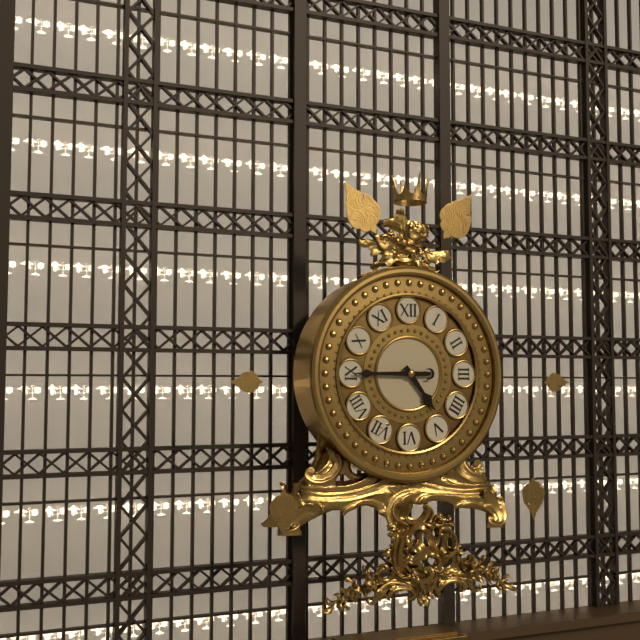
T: 4 h 45 min
